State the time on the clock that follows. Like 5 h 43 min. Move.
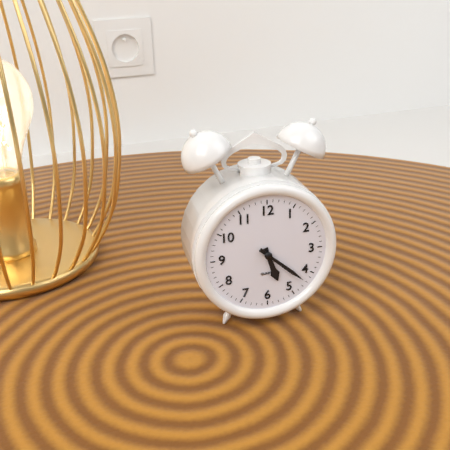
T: 5 h 22 min
